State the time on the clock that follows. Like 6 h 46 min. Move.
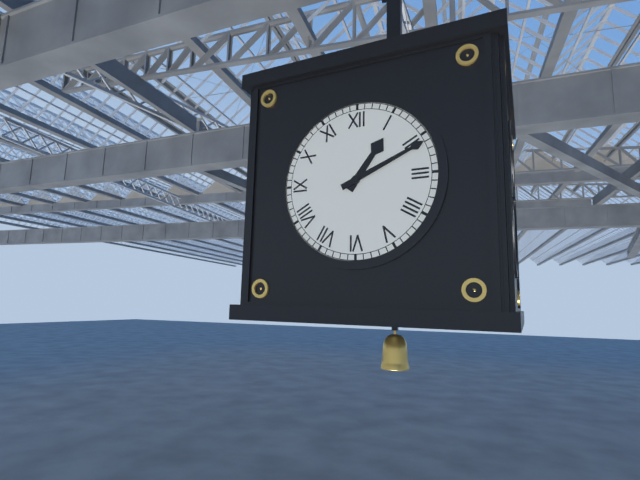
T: 1 h 11 min
